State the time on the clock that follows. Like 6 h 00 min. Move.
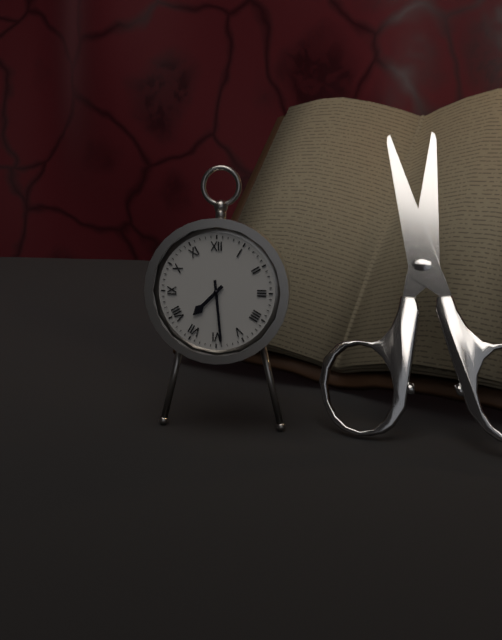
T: 7 h 29 min
